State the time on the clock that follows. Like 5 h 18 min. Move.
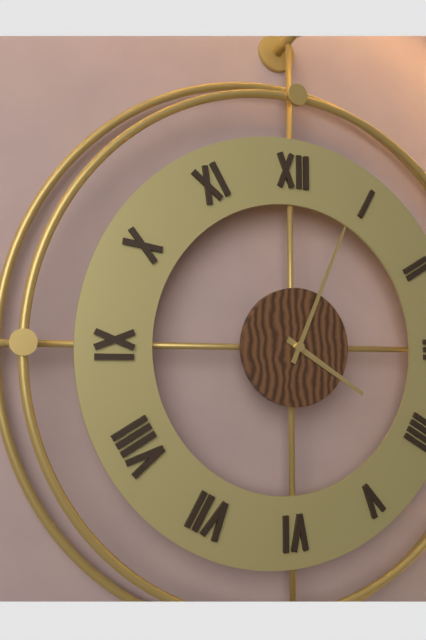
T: 4 h 04 min
